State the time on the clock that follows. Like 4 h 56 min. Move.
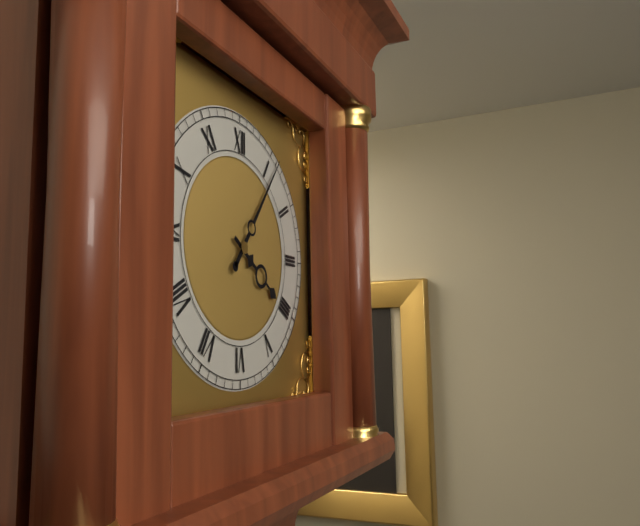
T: 4 h 06 min
